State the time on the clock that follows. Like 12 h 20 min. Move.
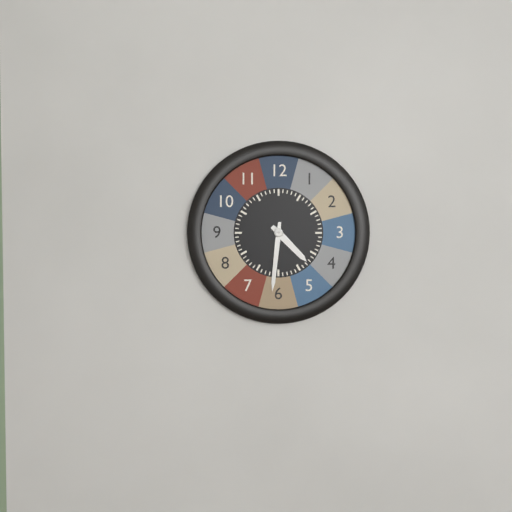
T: 4 h 31 min
